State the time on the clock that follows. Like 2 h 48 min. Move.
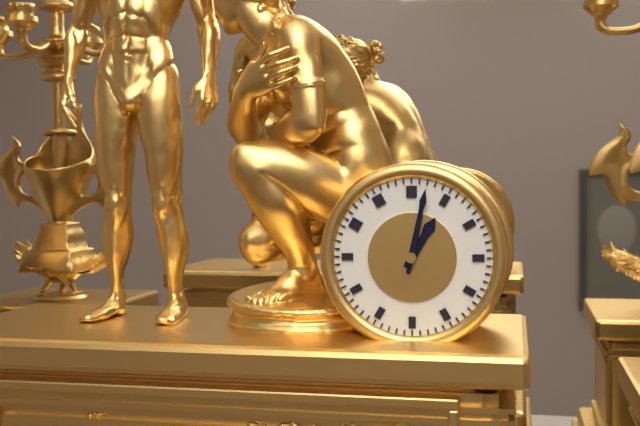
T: 1 h 02 min
